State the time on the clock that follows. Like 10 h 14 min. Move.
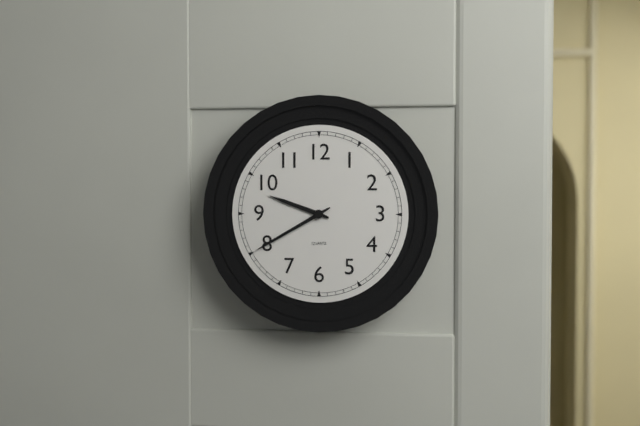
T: 9 h 40 min
